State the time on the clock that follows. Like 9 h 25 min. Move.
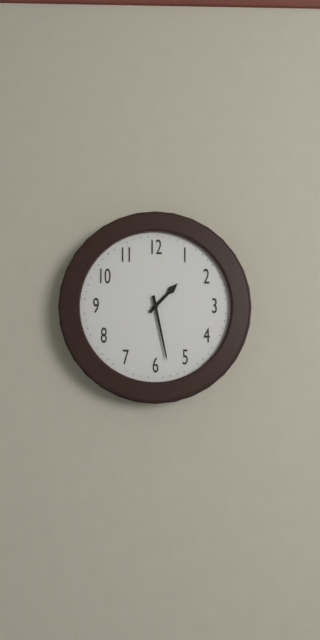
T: 1 h 28 min
